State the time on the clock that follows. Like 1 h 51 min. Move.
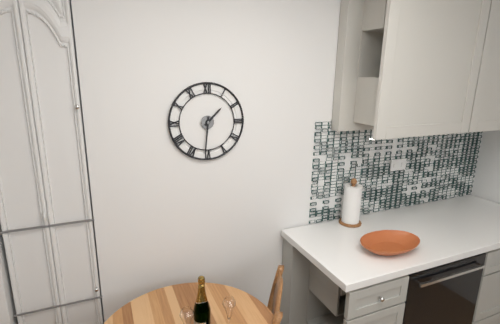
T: 1 h 31 min
